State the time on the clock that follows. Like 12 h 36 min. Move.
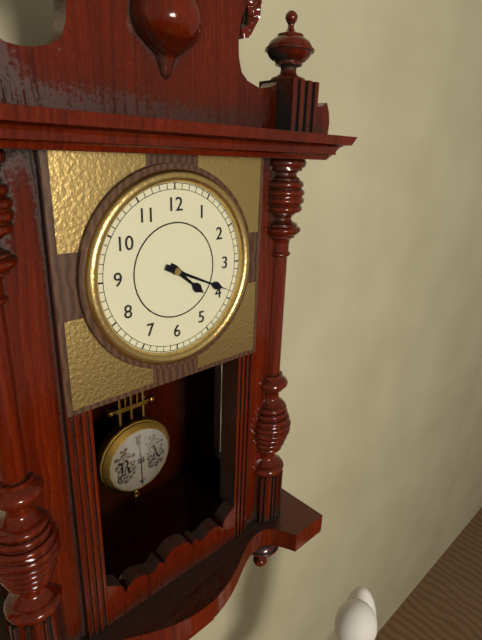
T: 4 h 19 min
